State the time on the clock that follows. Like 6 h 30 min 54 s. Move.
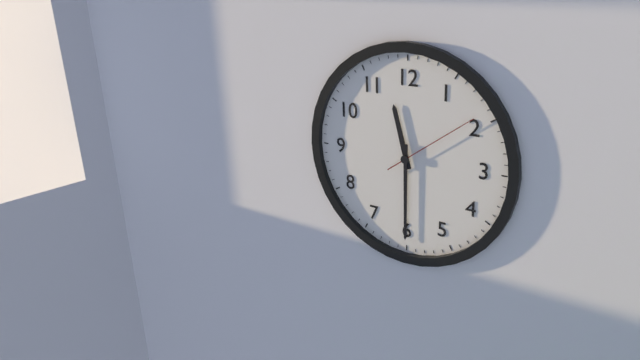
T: 11 h 30 min 09 s
